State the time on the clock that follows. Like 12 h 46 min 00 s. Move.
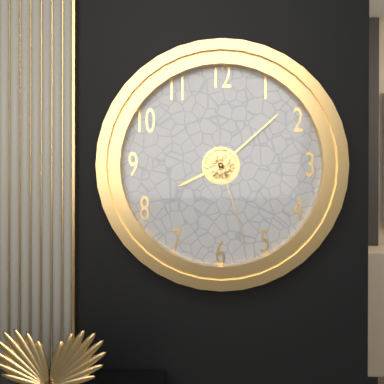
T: 8 h 08 min 27 s
